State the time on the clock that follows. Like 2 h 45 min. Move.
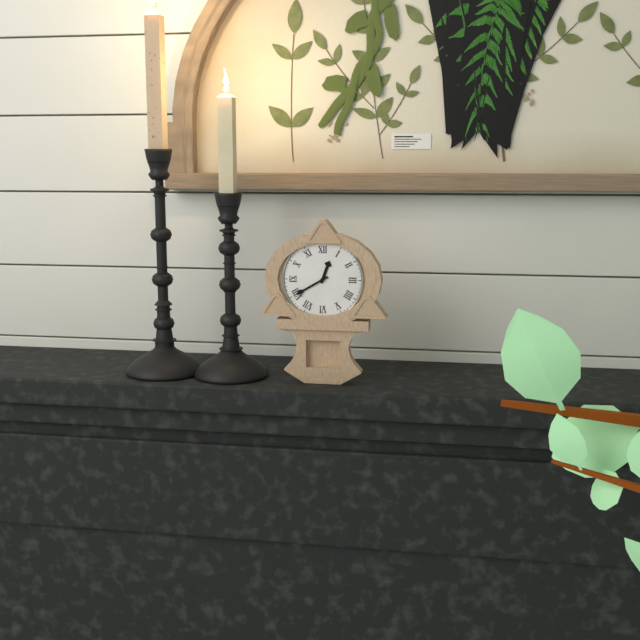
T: 12 h 40 min
